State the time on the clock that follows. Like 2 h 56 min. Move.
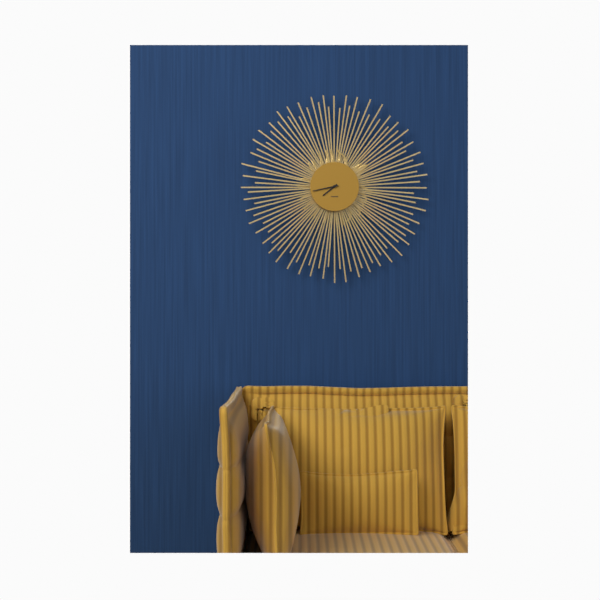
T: 7 h 43 min
